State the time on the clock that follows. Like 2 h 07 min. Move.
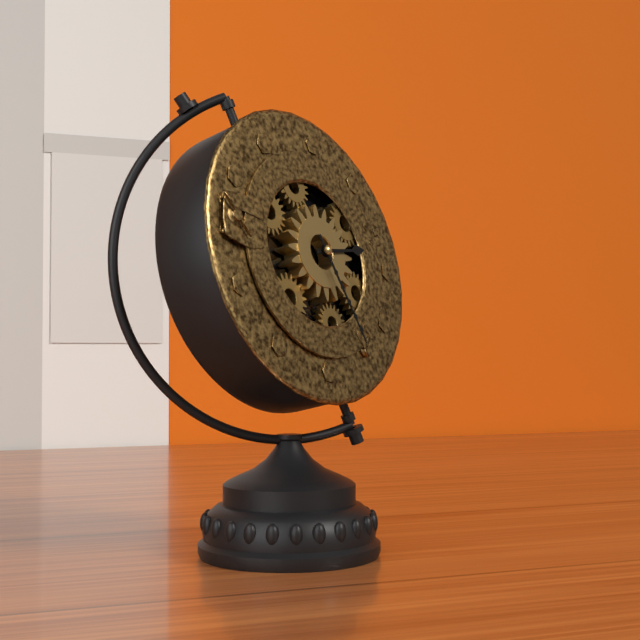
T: 2 h 24 min
